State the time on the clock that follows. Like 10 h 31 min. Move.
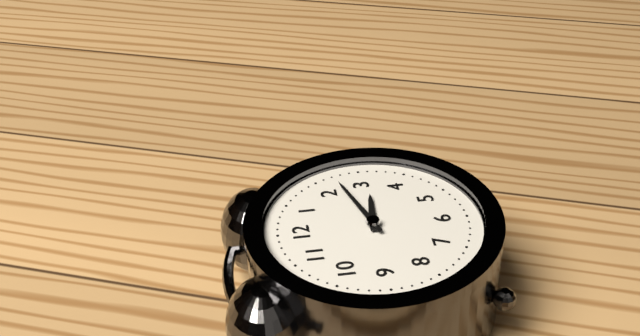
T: 3 h 12 min
